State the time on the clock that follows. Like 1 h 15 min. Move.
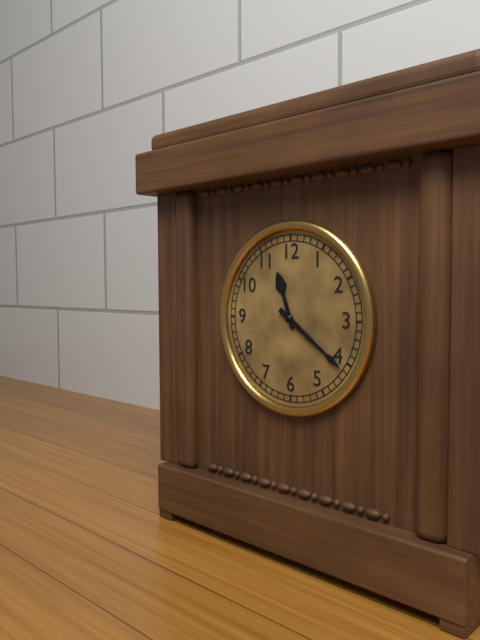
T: 11 h 21 min
